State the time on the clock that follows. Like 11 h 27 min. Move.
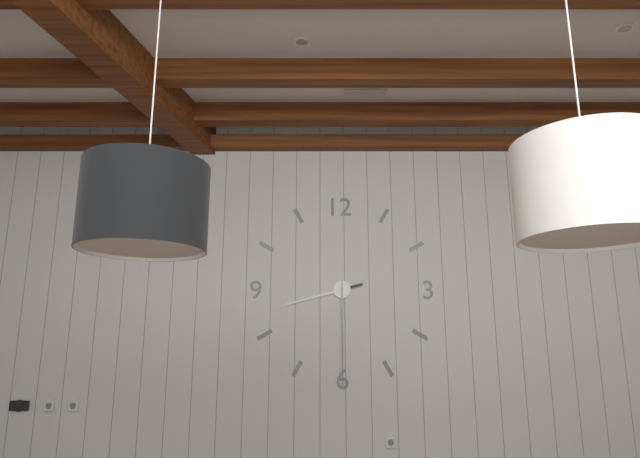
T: 8 h 30 min
